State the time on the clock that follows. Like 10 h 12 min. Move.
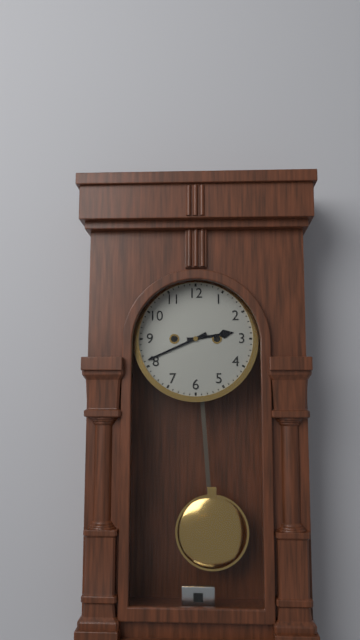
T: 2 h 41 min
